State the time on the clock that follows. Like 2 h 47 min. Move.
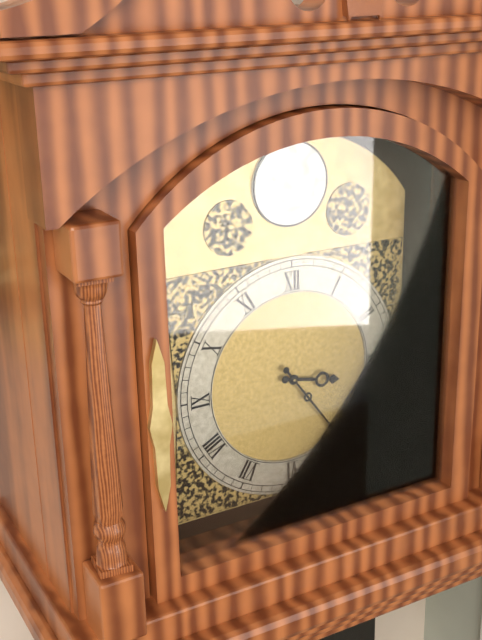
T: 3 h 24 min
